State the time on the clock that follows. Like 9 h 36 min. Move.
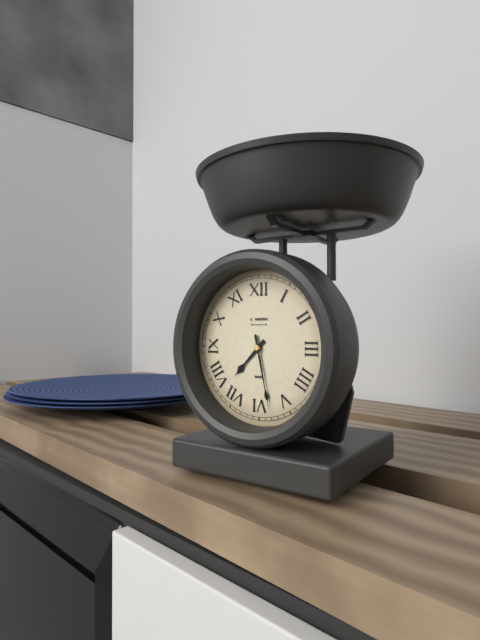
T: 7 h 28 min
